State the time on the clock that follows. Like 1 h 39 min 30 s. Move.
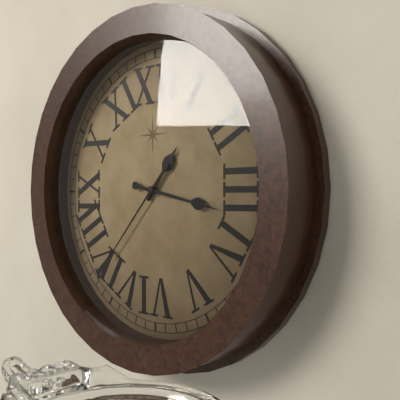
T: 1 h 17 min 37 s
